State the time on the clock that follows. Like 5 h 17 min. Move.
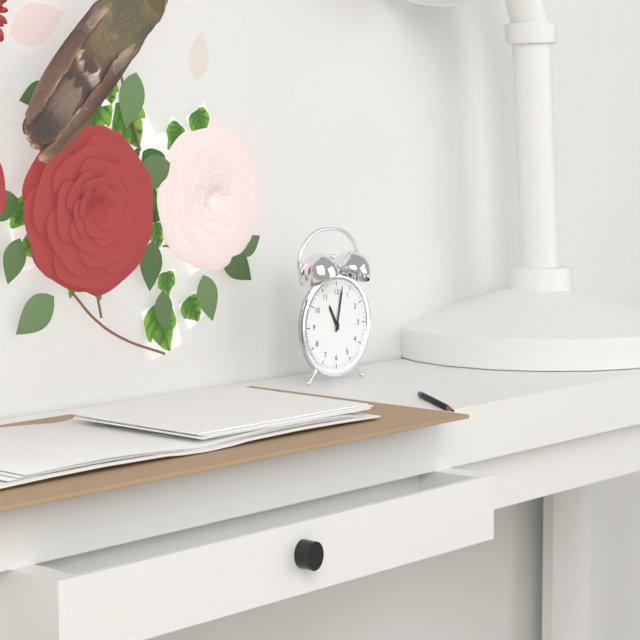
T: 11 h 02 min
